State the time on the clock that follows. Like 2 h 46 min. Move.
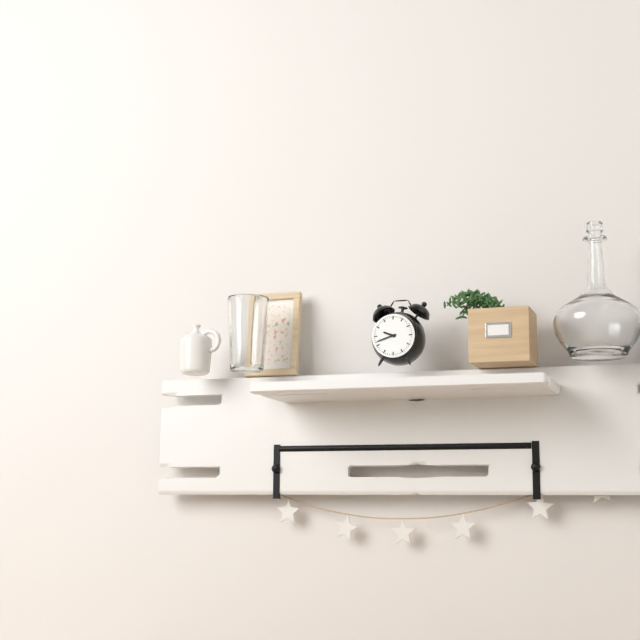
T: 9 h 42 min
